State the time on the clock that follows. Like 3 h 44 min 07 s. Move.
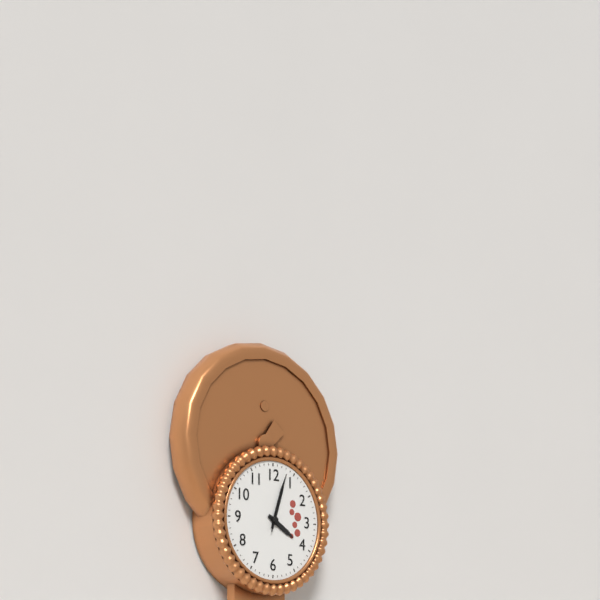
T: 4 h 03 min 03 s
